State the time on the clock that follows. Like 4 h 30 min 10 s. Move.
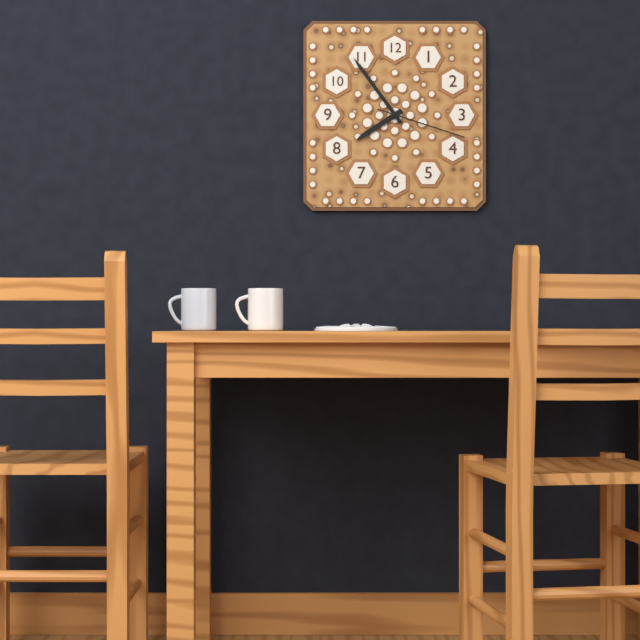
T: 7 h 54 min 18 s
